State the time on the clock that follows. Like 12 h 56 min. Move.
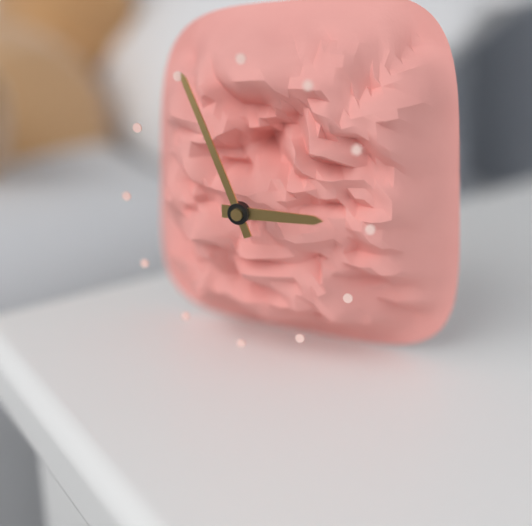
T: 2 h 56 min
